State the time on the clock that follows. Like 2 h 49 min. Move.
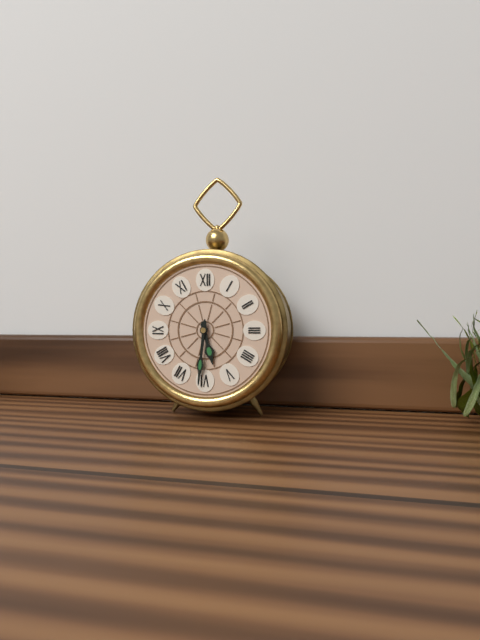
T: 5 h 31 min
